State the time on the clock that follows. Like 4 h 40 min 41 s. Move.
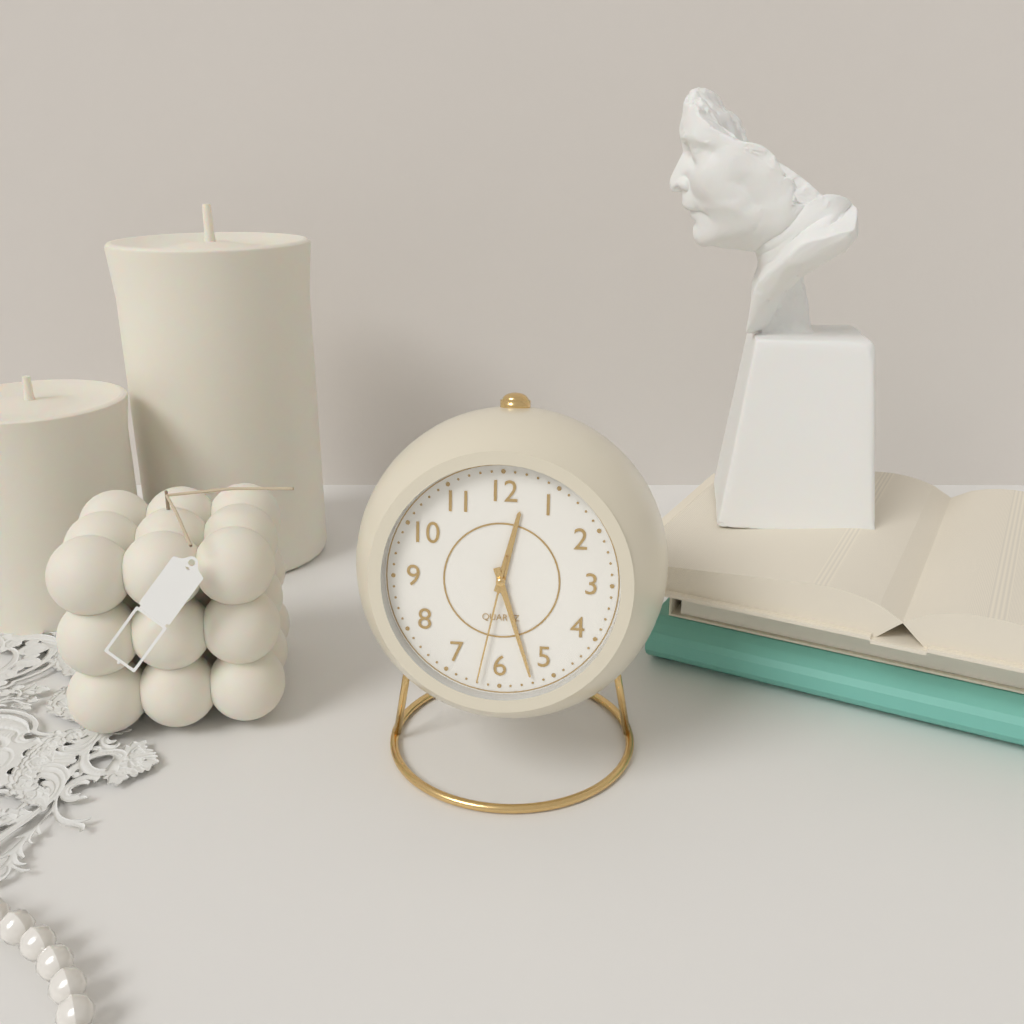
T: 12 h 27 min 32 s
